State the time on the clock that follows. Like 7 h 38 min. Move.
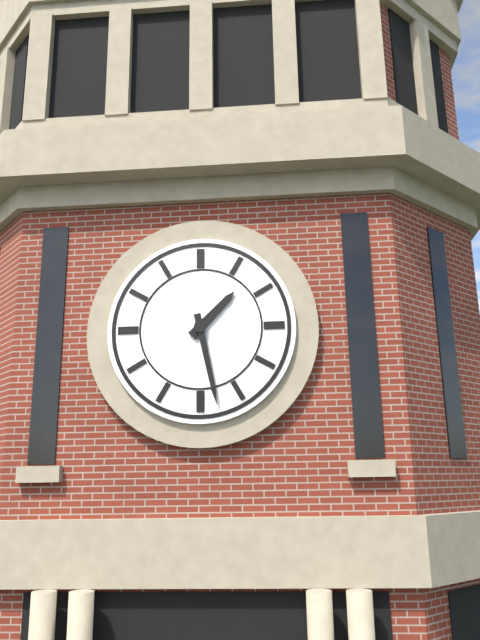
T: 1 h 28 min
